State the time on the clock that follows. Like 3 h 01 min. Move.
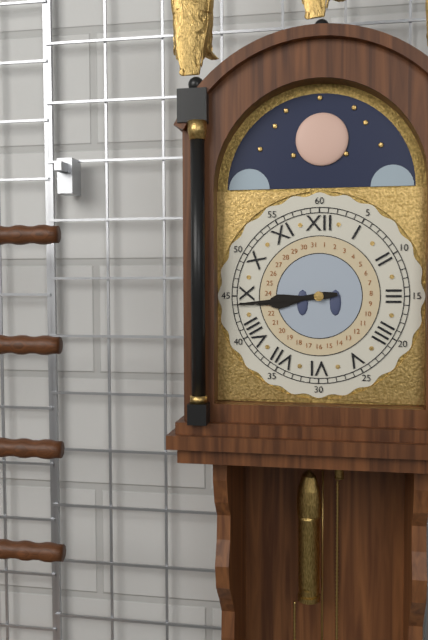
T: 8 h 44 min
